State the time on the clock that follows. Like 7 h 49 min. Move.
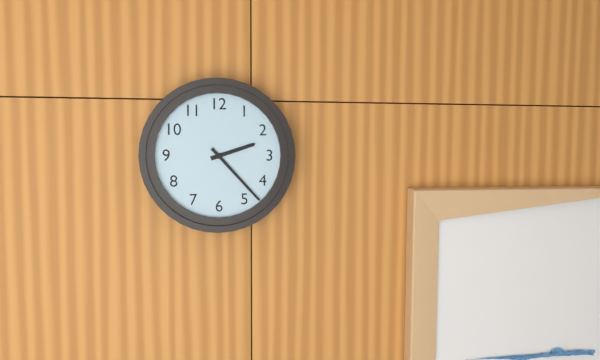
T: 2 h 23 min
